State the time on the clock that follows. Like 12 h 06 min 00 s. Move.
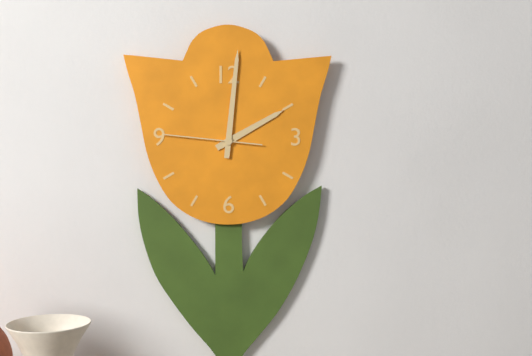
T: 2 h 01 min 46 s
